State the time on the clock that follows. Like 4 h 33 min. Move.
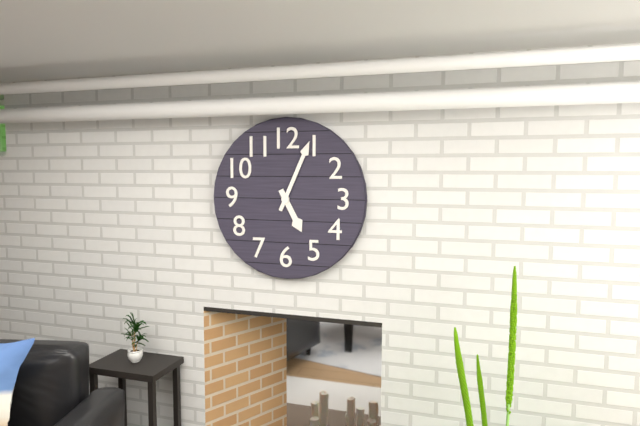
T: 5 h 04 min
